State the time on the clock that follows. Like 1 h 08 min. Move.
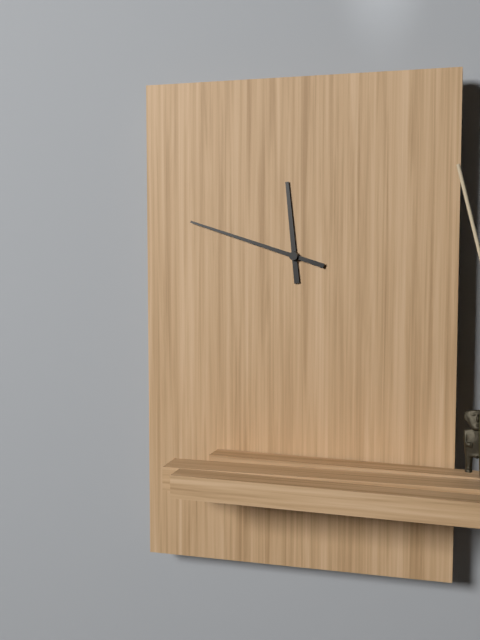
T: 11 h 48 min
